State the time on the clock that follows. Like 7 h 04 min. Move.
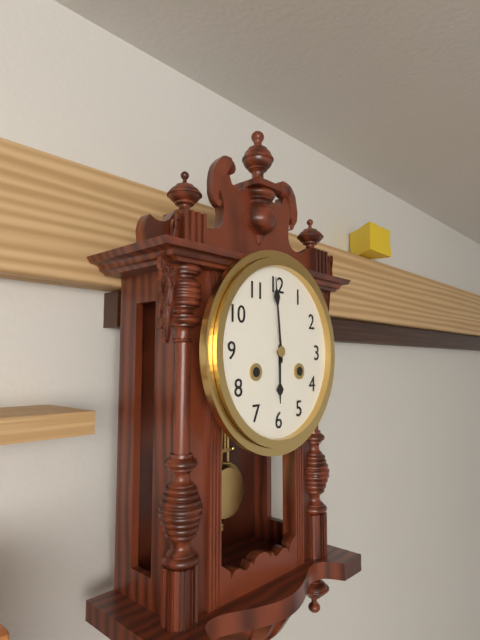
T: 5 h 59 min
